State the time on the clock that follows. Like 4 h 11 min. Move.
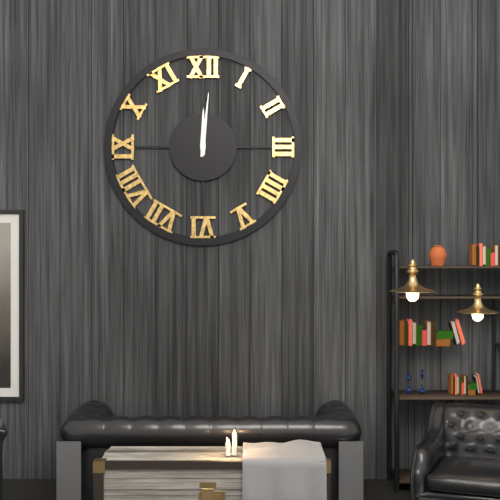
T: 12 h 01 min
